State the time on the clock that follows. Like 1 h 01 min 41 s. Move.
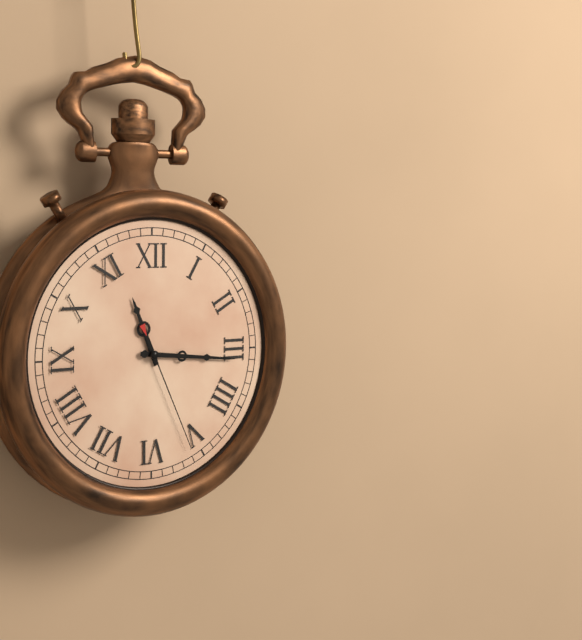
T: 11 h 16 min 26 s
